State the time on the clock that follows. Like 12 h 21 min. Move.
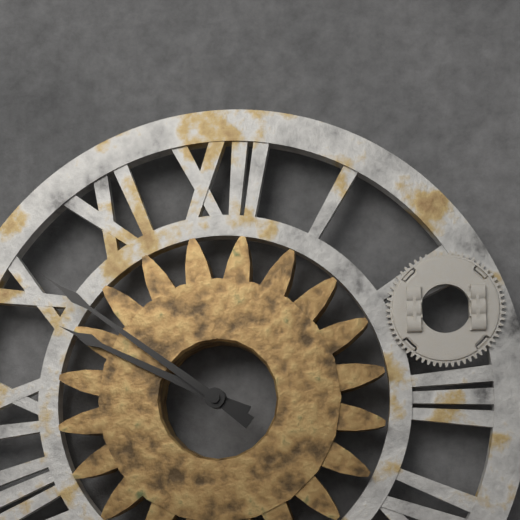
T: 9 h 51 min
